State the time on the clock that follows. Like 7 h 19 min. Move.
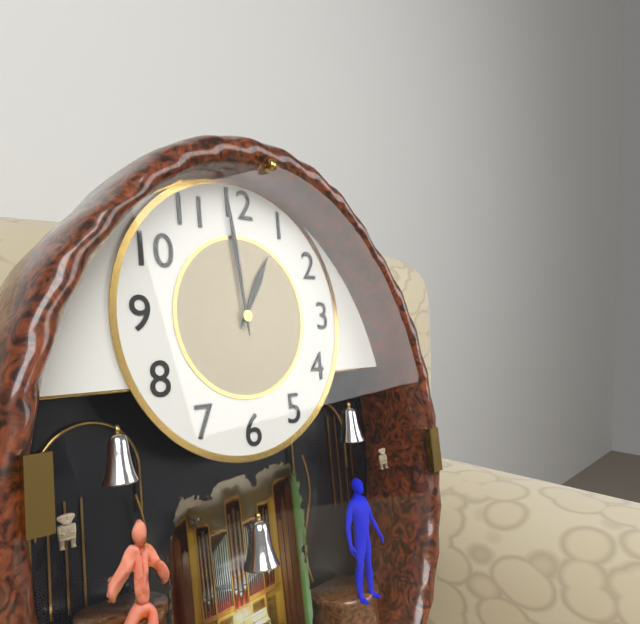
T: 12 h 59 min
